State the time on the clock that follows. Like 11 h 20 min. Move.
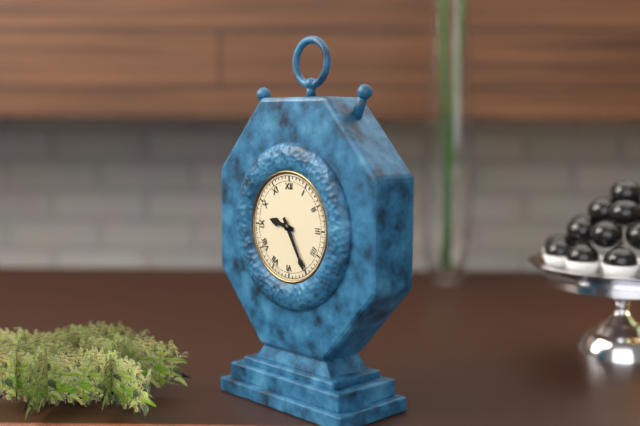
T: 9 h 25 min
